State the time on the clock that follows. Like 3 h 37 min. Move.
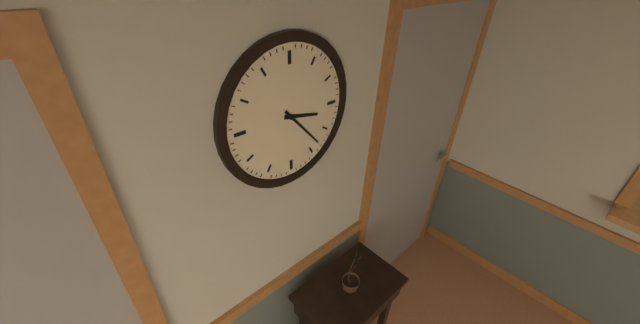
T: 3 h 23 min
